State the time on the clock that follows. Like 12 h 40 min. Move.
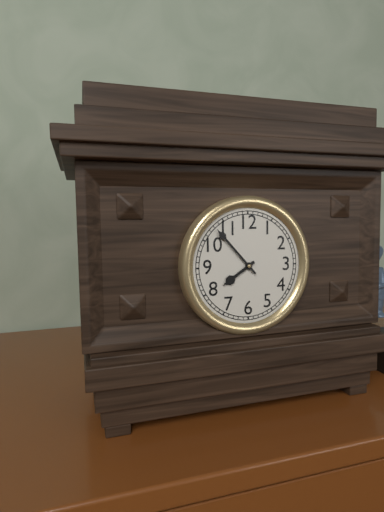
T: 7 h 53 min
